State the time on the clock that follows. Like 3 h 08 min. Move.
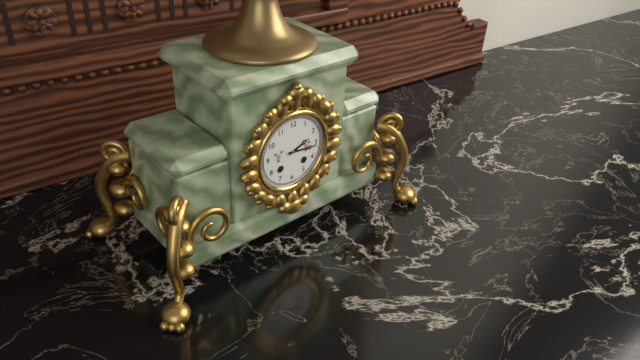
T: 2 h 16 min
